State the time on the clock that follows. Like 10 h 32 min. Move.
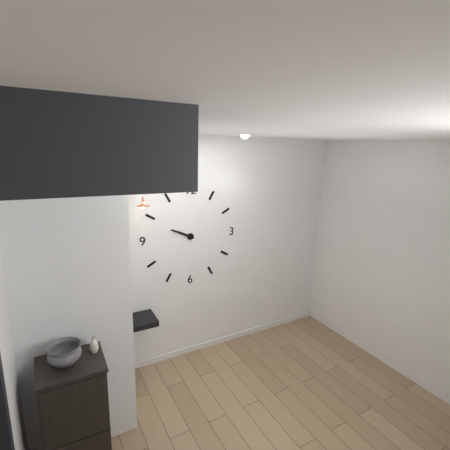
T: 9 h 49 min
